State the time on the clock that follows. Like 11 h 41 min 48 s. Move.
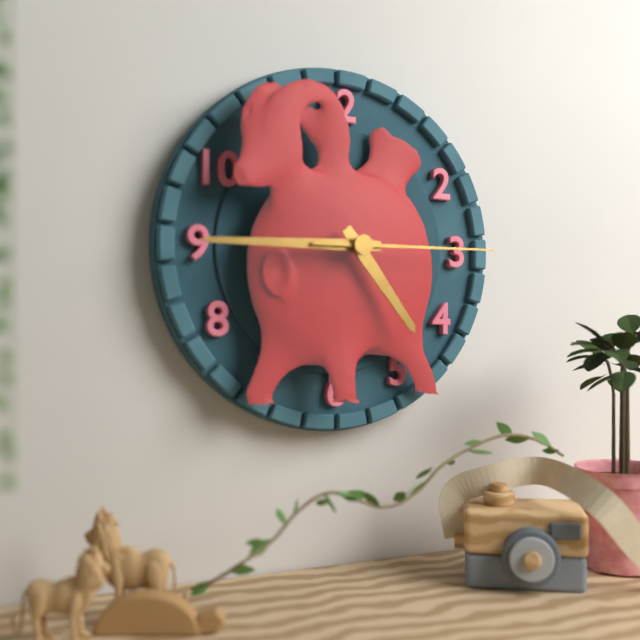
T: 4 h 45 min 15 s
